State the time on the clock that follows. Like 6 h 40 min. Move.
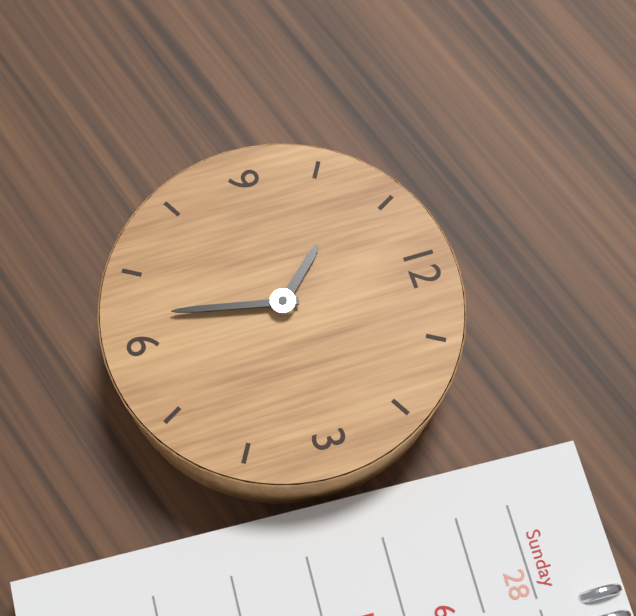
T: 10 h 32 min
